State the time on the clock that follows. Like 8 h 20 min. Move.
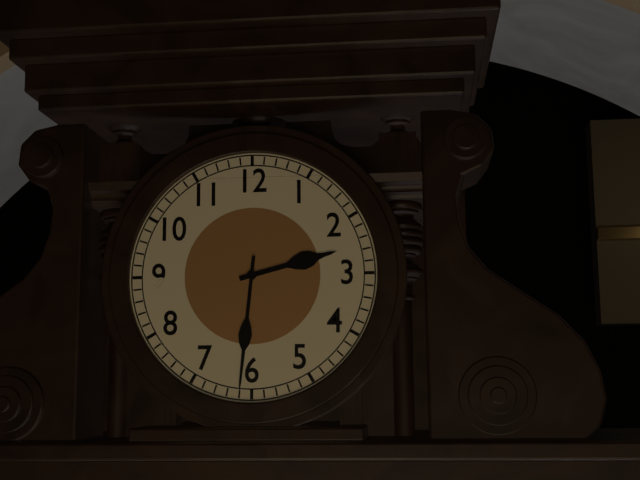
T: 2 h 31 min
